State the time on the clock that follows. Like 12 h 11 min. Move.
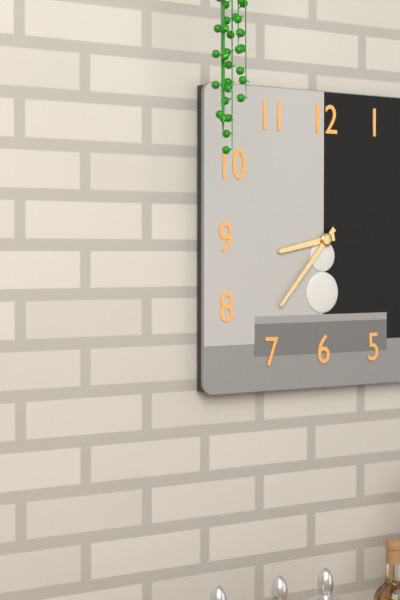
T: 8 h 37 min
